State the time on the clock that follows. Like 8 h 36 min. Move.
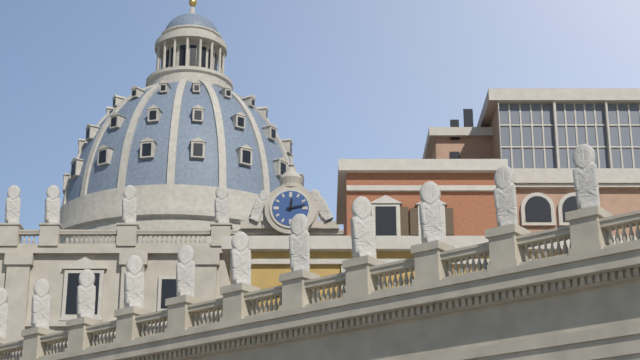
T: 12 h 13 min
